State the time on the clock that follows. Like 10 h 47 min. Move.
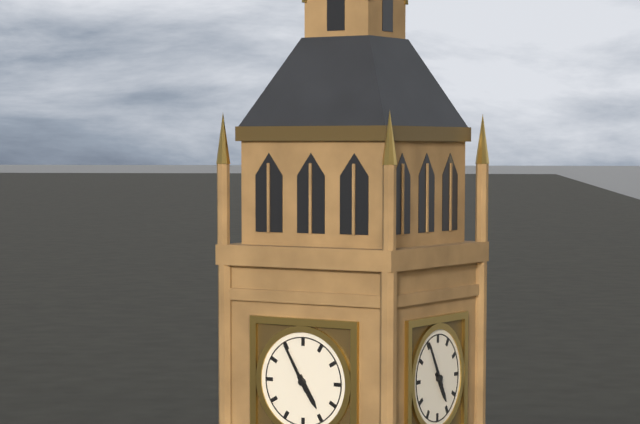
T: 4 h 55 min
